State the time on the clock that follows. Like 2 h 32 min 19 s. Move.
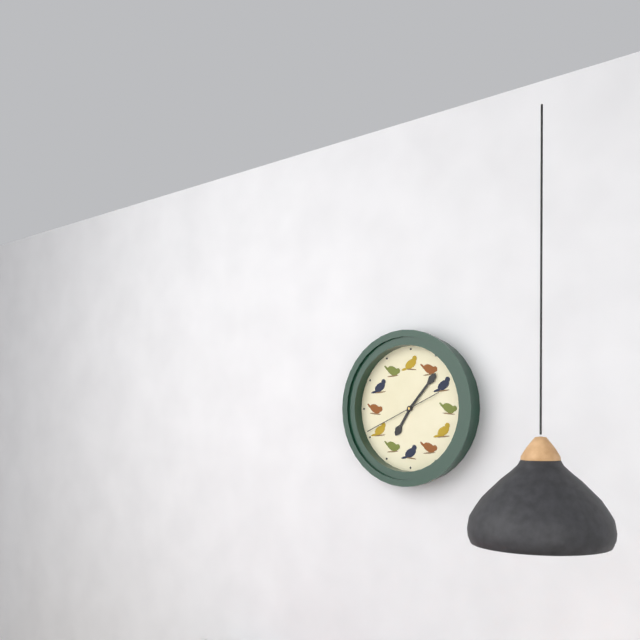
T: 7 h 07 min 41 s
